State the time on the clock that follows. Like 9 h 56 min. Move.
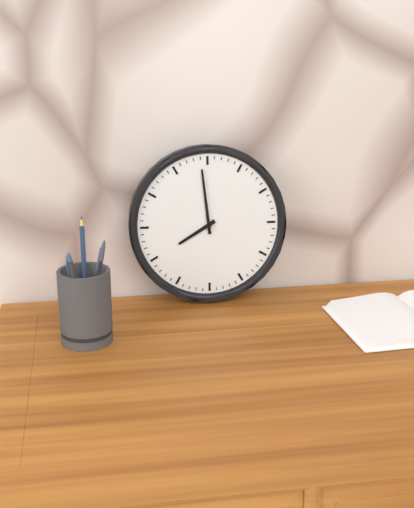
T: 7 h 59 min
